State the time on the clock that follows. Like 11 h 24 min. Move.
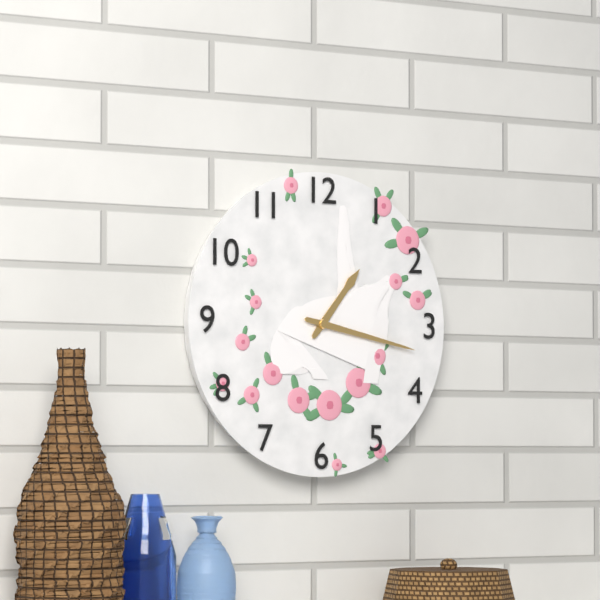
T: 1 h 17 min
